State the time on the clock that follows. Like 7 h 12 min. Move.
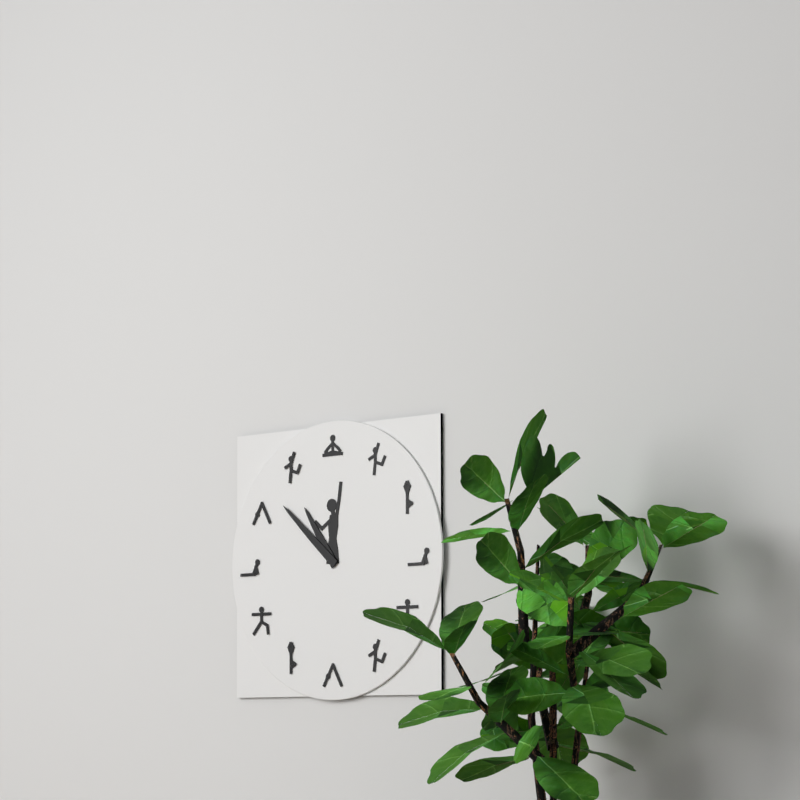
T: 10 h 52 min
